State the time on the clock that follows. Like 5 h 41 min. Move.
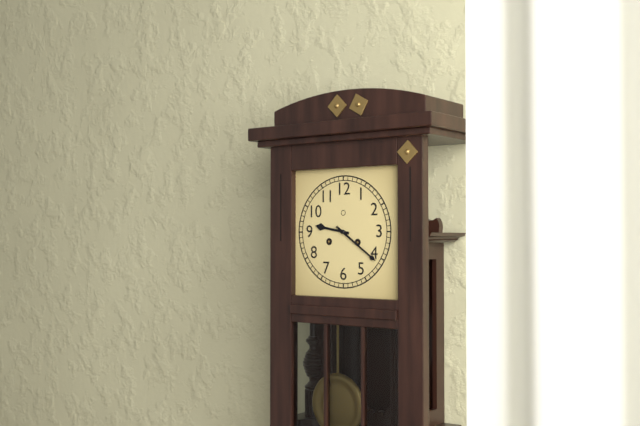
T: 9 h 21 min
